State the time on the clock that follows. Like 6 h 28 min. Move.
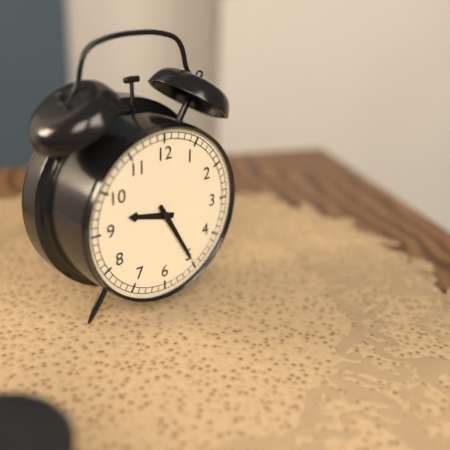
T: 9 h 25 min
